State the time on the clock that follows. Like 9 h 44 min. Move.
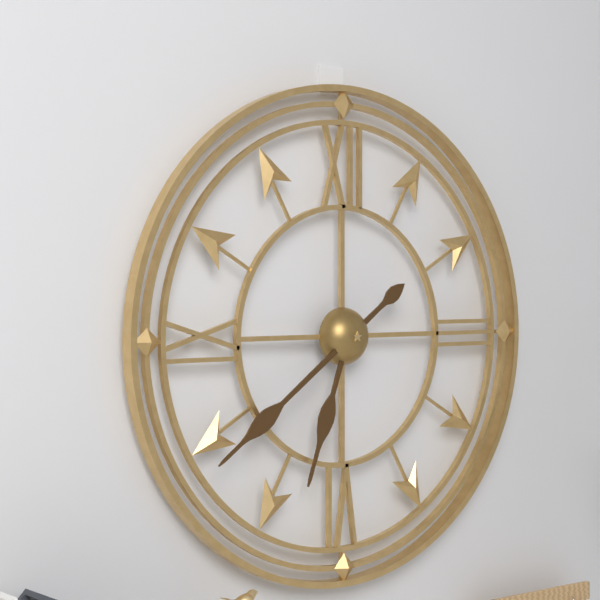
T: 6 h 39 min
